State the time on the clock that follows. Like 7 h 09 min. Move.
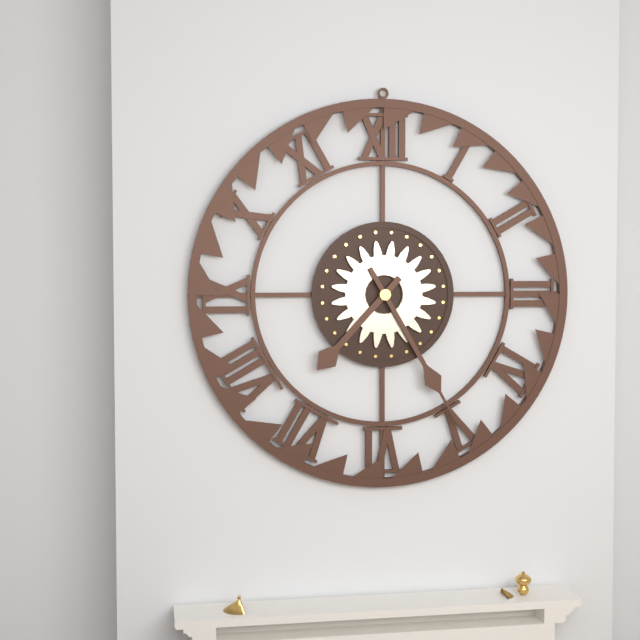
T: 7 h 25 min
